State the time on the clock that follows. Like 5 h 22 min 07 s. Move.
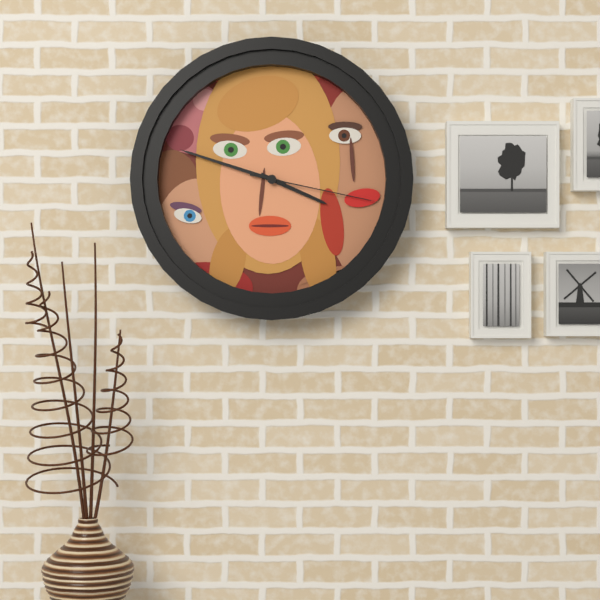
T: 3 h 48 min 17 s
